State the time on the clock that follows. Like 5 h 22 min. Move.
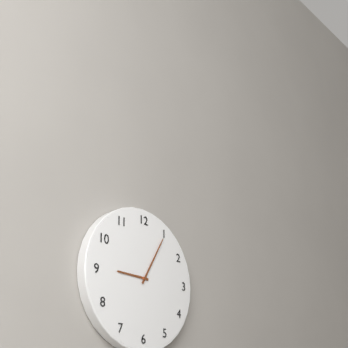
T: 9 h 05 min
